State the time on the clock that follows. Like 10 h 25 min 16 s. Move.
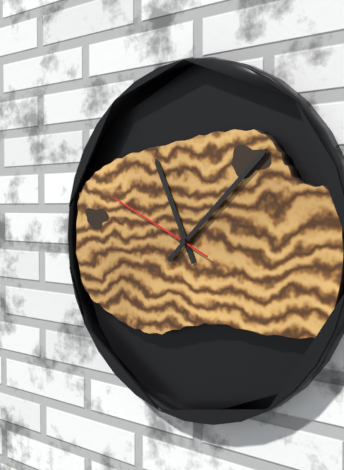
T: 11 h 08 min 49 s
